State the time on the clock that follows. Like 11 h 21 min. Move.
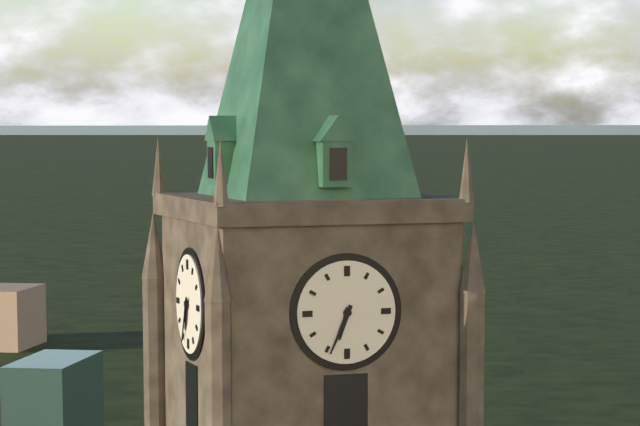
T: 6 h 34 min
